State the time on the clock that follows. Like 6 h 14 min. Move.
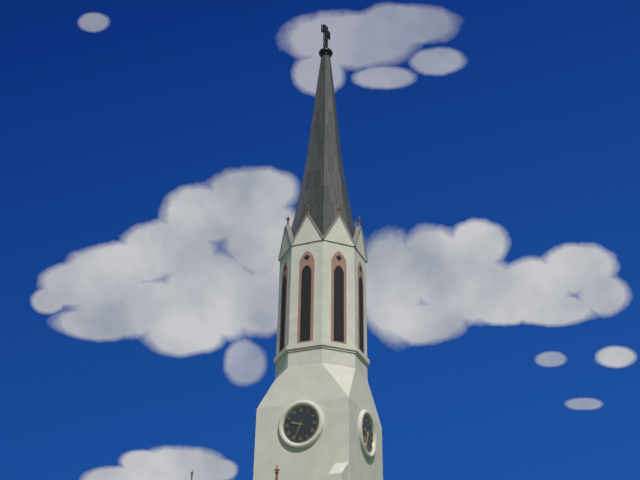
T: 9 h 34 min
